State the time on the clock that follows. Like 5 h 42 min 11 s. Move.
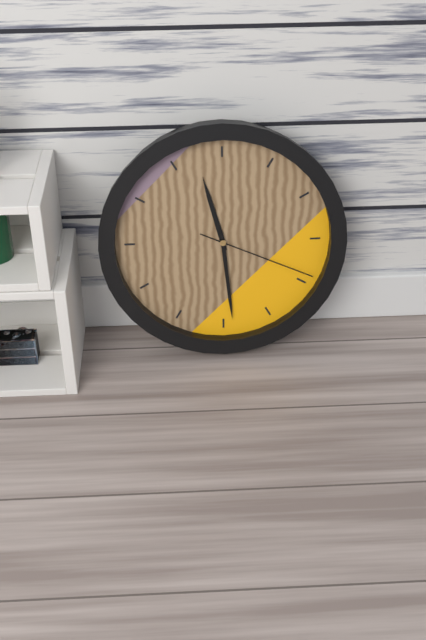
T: 11 h 29 min 19 s
